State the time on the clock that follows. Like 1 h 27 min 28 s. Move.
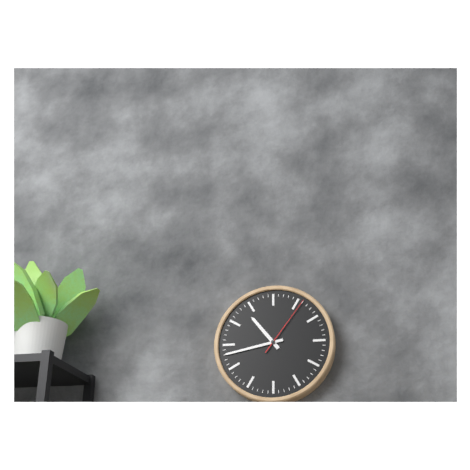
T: 10 h 43 min 06 s
